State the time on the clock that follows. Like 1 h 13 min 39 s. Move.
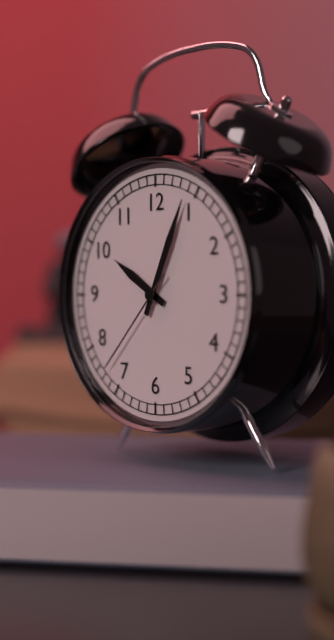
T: 10 h 04 min 37 s
